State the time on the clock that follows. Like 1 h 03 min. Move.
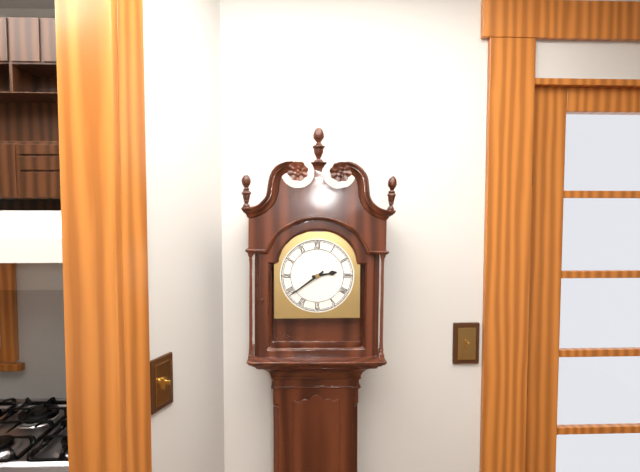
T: 2 h 39 min
